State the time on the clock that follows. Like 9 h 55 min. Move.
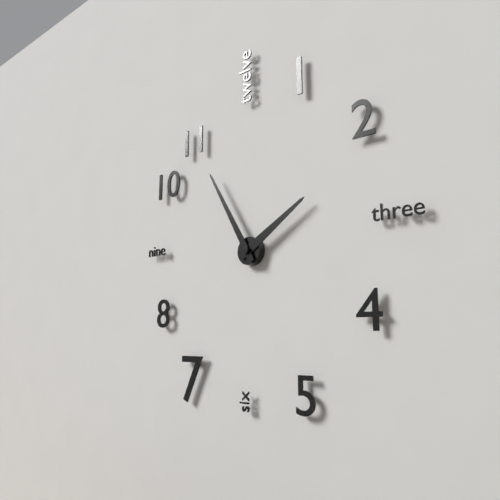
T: 1 h 55 min
